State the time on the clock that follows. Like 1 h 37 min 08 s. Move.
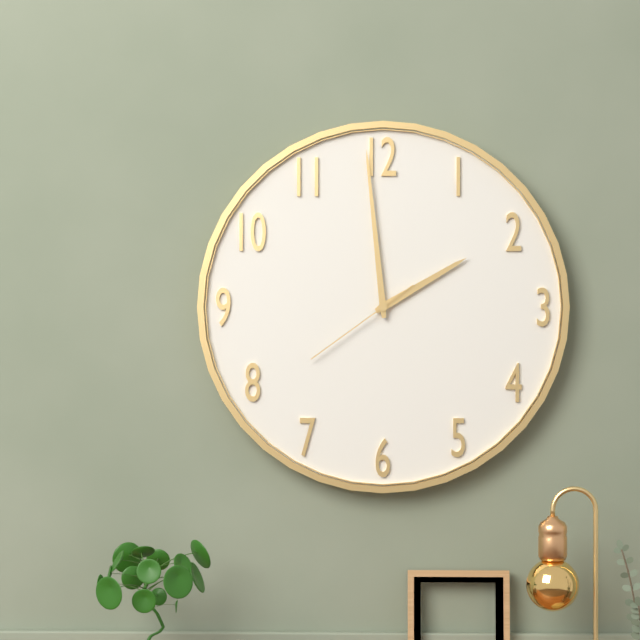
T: 1 h 59 min 39 s
